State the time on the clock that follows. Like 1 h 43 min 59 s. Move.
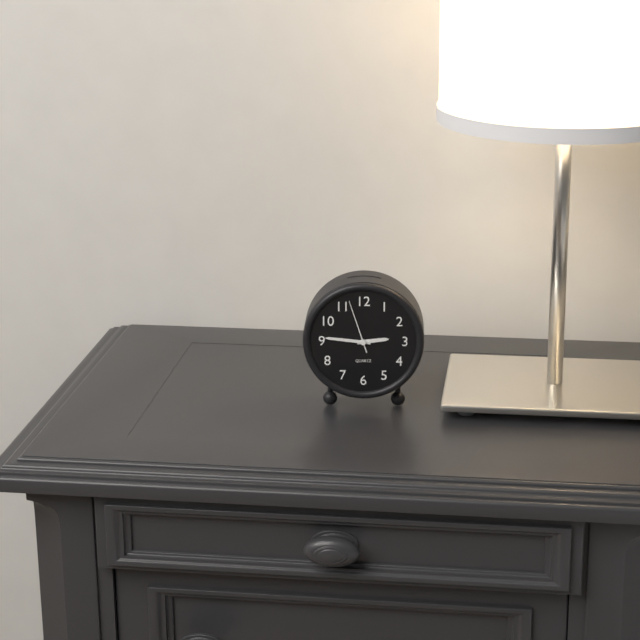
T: 2 h 46 min 57 s
